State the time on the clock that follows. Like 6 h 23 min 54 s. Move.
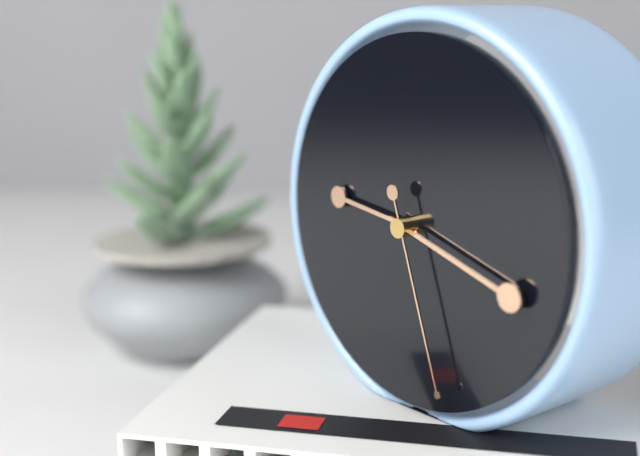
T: 9 h 18 min 27 s
